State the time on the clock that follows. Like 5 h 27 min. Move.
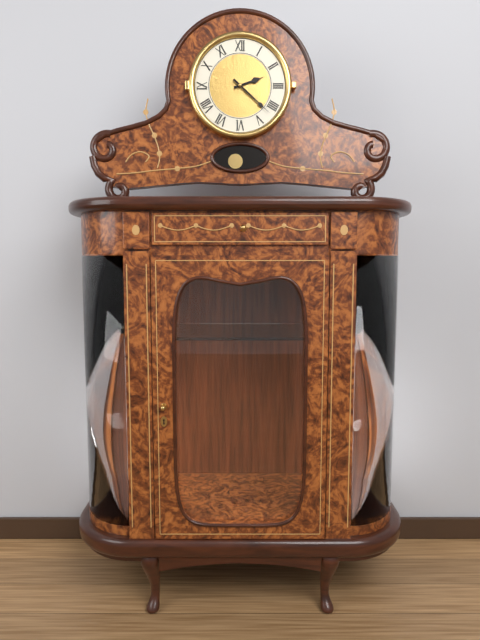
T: 2 h 22 min
